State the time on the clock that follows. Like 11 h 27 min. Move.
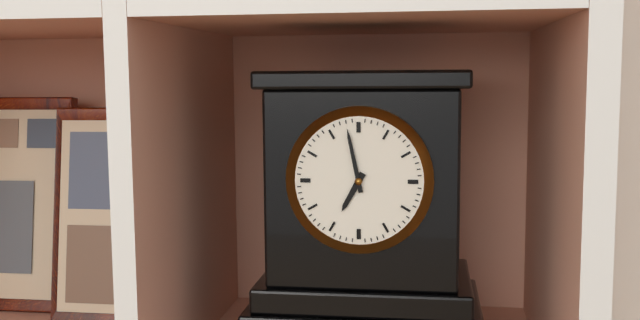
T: 6 h 58 min
